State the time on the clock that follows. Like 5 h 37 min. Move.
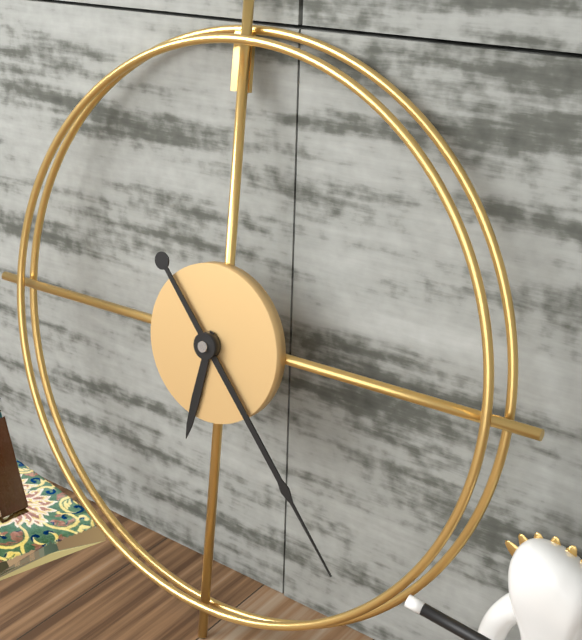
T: 6 h 23 min
